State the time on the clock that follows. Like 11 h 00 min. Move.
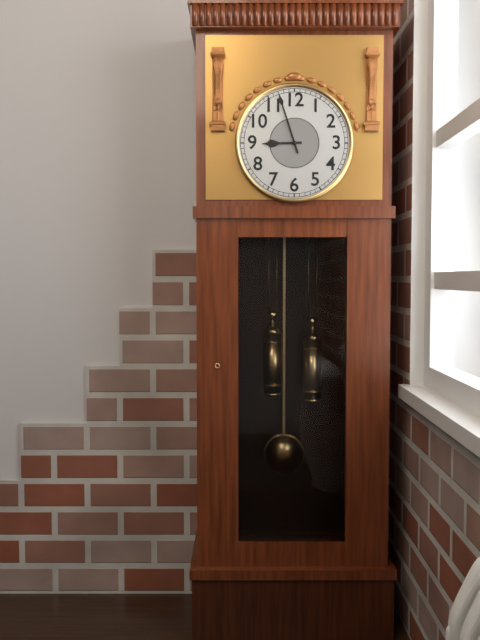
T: 8 h 57 min
